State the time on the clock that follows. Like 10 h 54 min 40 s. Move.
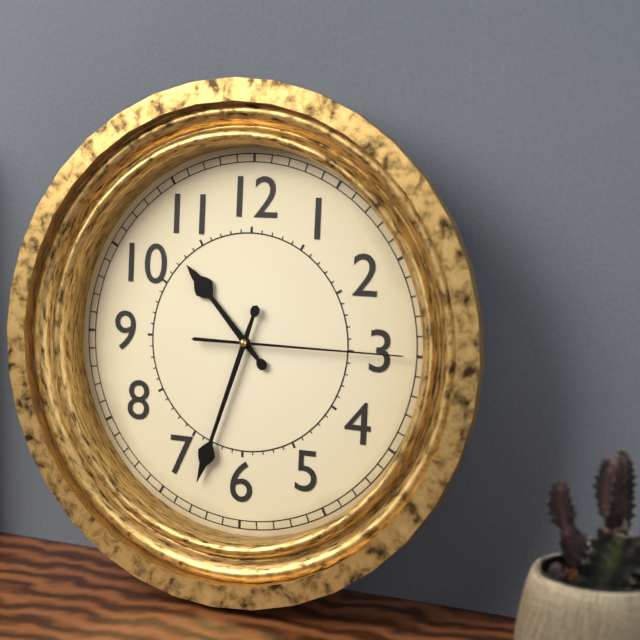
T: 10 h 33 min 15 s
